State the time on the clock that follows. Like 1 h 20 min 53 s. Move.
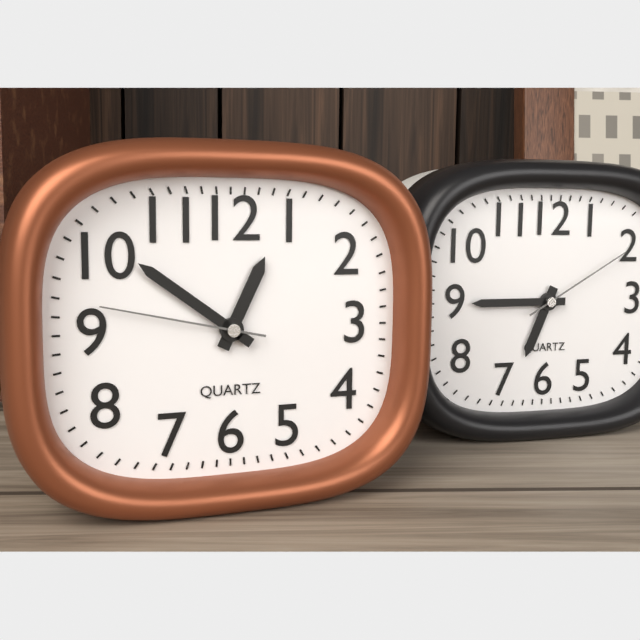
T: 12 h 51 min 47 s
